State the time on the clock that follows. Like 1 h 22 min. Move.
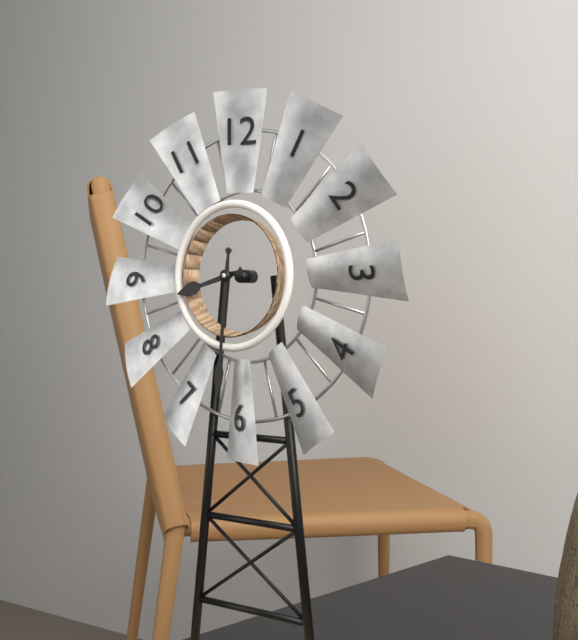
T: 8 h 31 min
